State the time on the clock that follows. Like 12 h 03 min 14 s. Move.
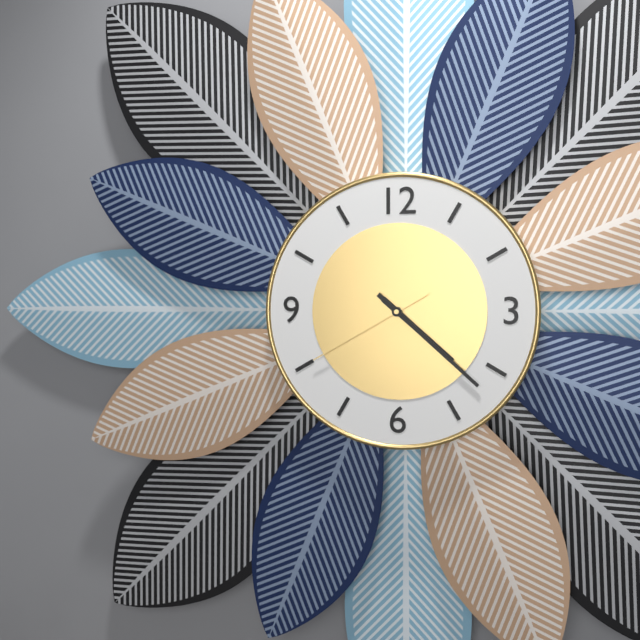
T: 4 h 22 min 40 s
